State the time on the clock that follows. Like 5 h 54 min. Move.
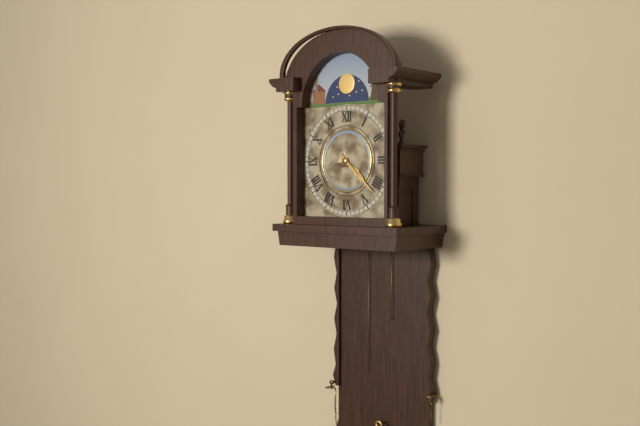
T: 4 h 22 min
